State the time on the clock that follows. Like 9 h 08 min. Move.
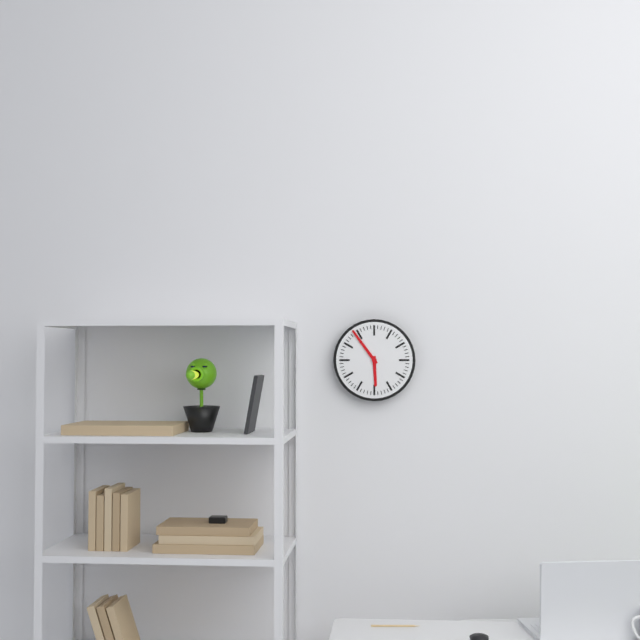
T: 5 h 54 min
